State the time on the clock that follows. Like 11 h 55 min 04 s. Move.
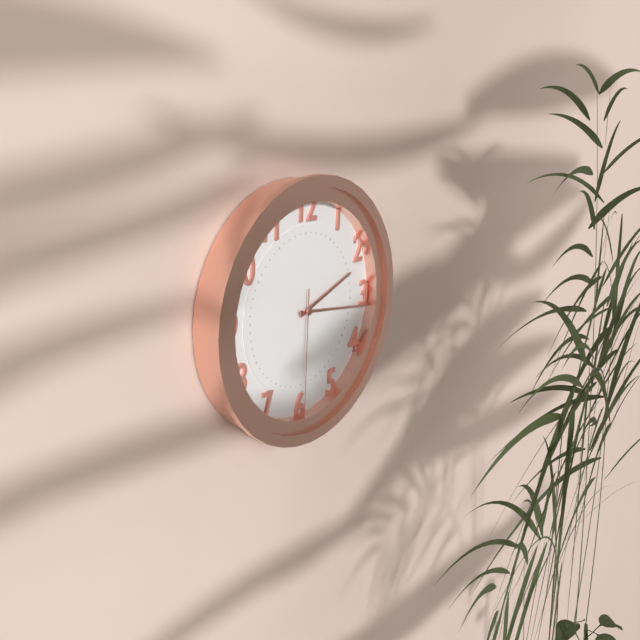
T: 2 h 16 min 30 s
